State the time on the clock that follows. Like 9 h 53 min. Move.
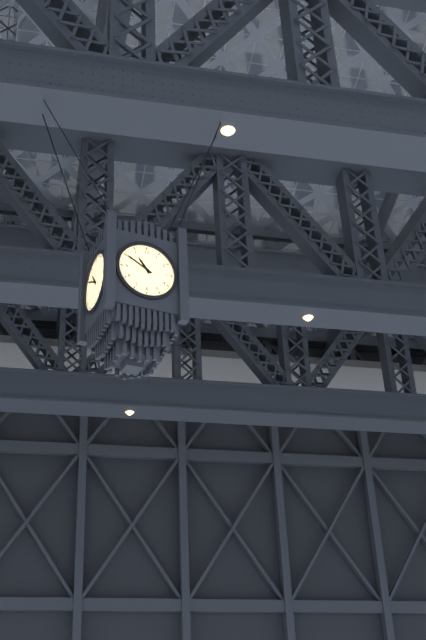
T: 10 h 50 min
